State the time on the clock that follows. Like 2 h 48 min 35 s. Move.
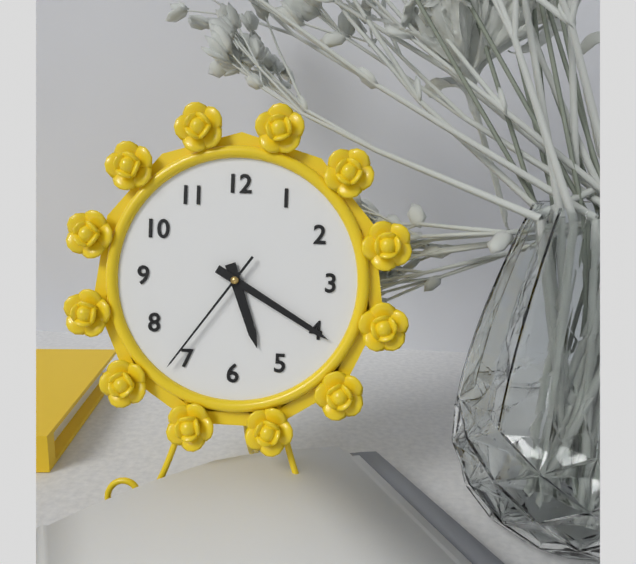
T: 5 h 20 min 36 s
